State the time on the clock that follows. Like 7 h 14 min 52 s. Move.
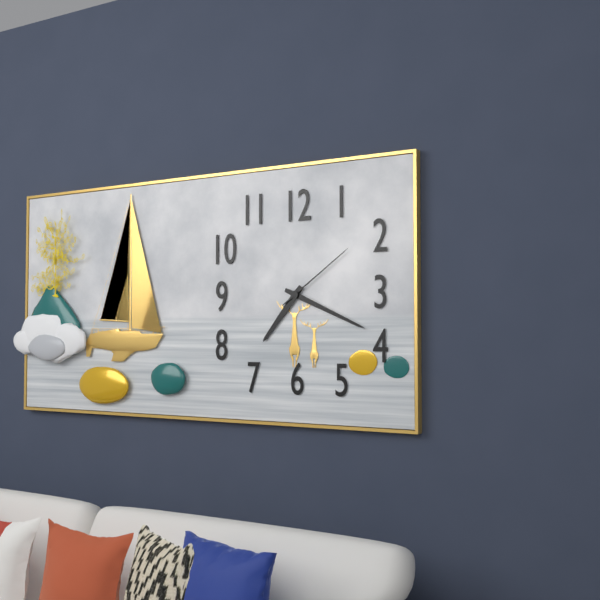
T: 7 h 19 min 09 s
